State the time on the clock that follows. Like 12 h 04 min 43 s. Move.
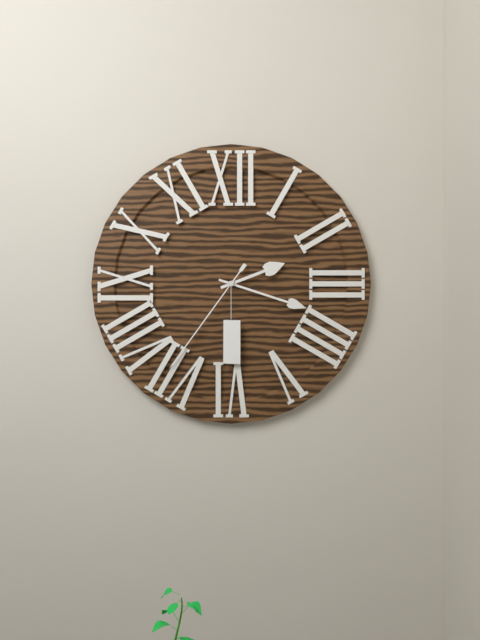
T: 2 h 18 min 36 s
